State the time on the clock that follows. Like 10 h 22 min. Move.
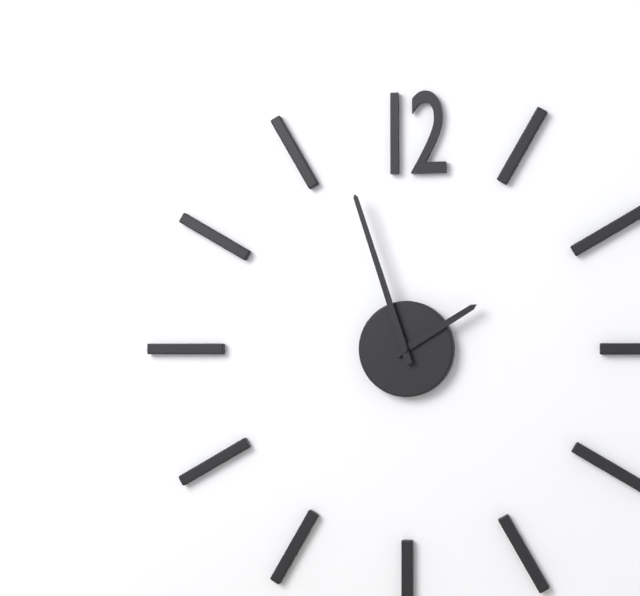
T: 1 h 57 min
